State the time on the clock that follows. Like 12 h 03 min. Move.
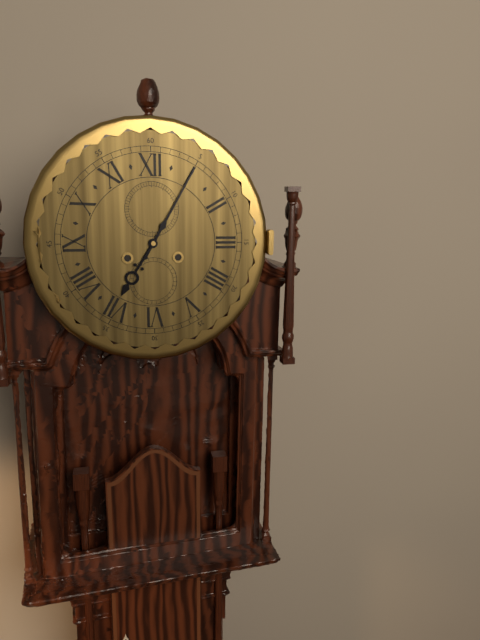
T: 7 h 05 min
